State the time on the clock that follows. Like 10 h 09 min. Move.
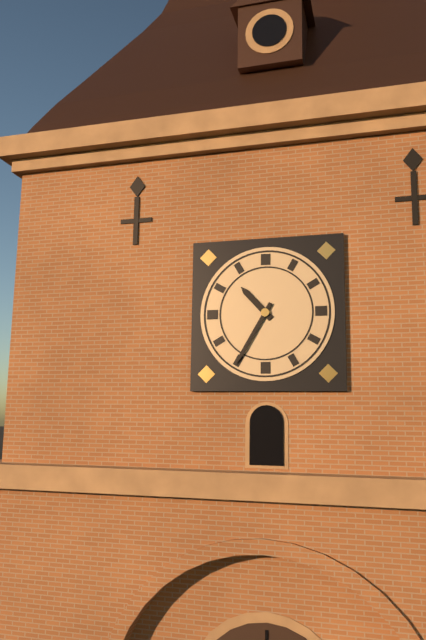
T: 10 h 35 min
